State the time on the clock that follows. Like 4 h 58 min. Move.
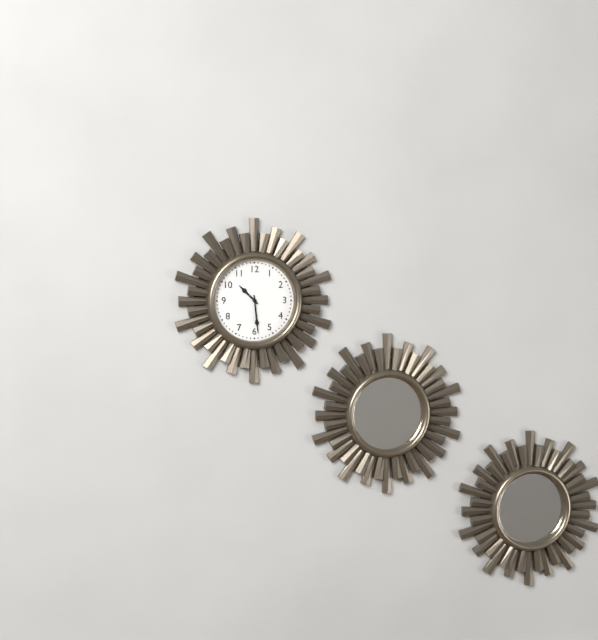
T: 10 h 29 min
